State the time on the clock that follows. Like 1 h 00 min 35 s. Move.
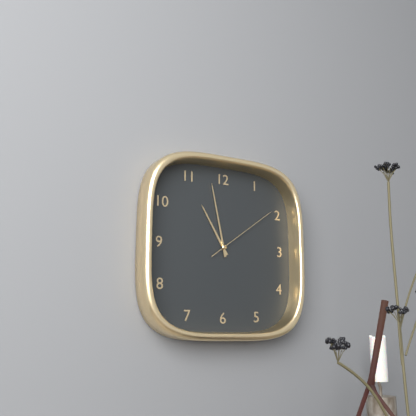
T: 10 h 58 min 09 s
